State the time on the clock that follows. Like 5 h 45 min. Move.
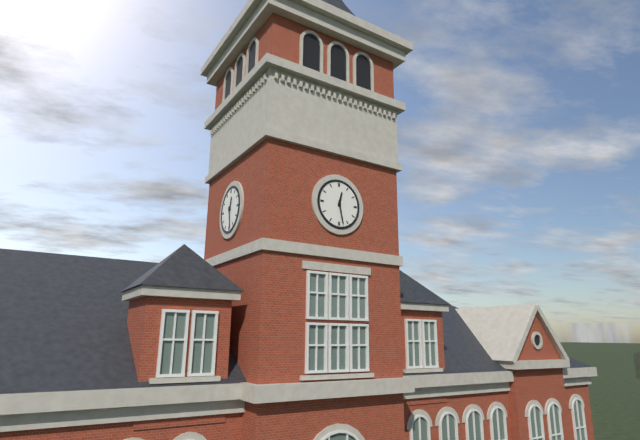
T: 12 h 28 min
